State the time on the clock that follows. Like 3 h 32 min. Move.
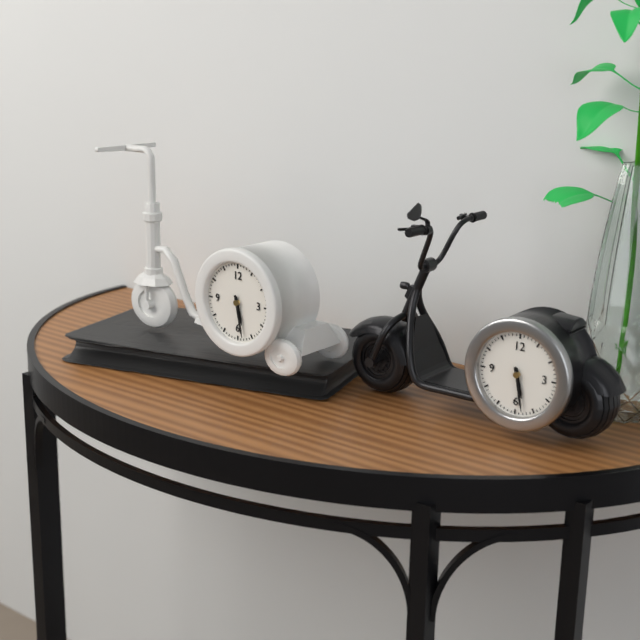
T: 5 h 28 min
